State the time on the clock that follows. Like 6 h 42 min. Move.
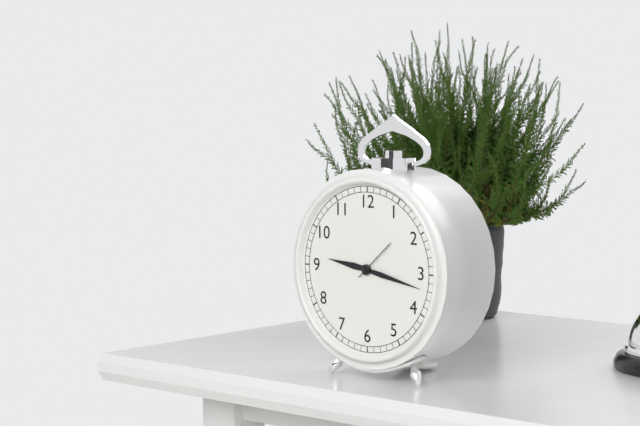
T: 9 h 17 min
